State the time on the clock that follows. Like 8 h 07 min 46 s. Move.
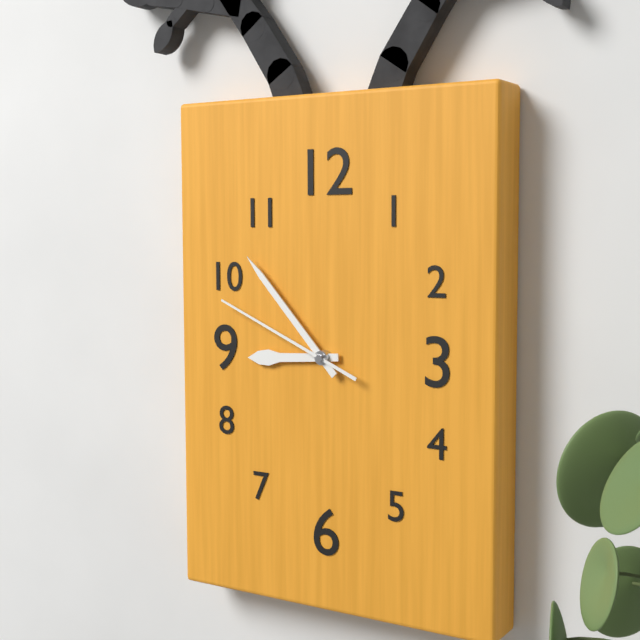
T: 8 h 53 min 49 s
